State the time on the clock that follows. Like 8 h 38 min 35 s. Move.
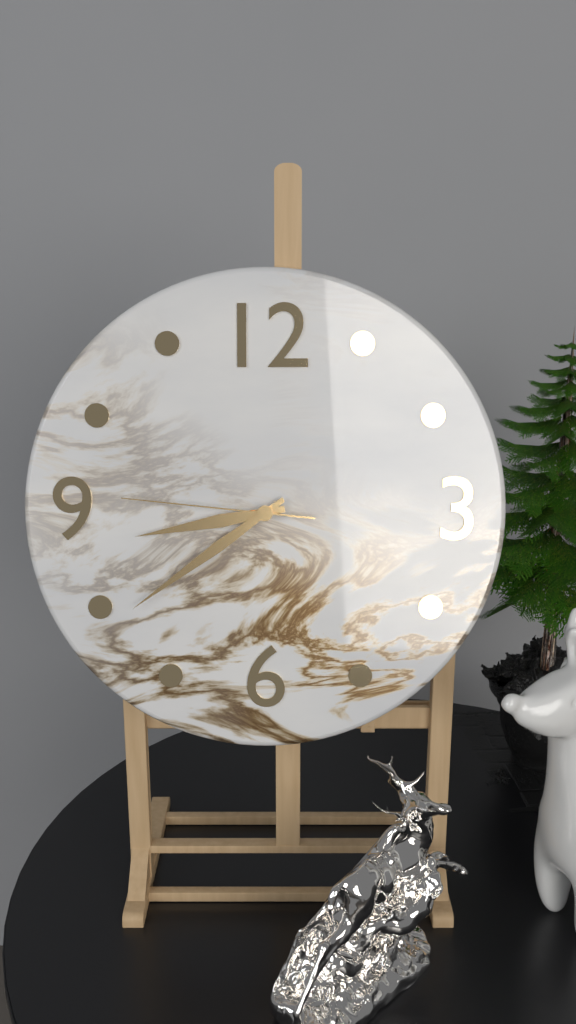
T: 8 h 39 min 46 s
